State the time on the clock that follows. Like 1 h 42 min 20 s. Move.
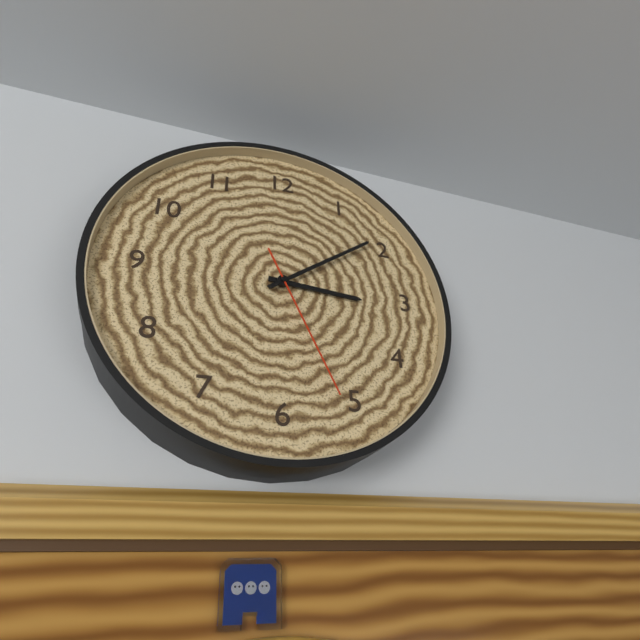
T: 3 h 09 min 26 s
